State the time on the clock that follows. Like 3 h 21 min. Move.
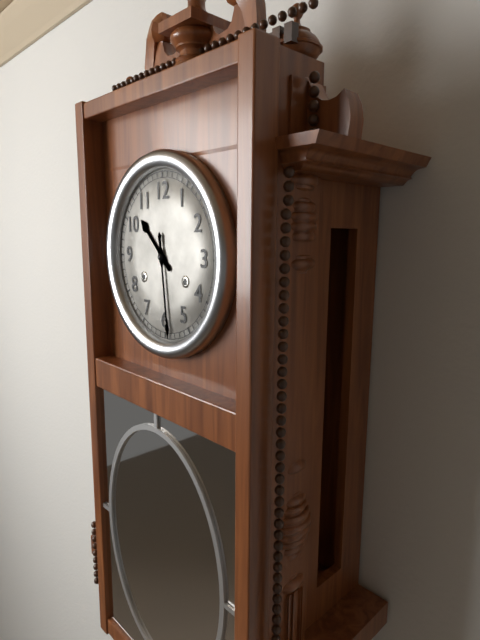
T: 10 h 29 min
